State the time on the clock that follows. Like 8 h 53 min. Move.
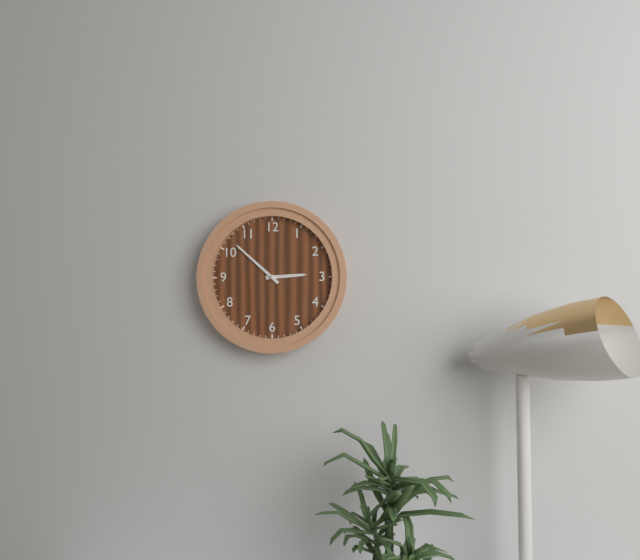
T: 2 h 52 min
